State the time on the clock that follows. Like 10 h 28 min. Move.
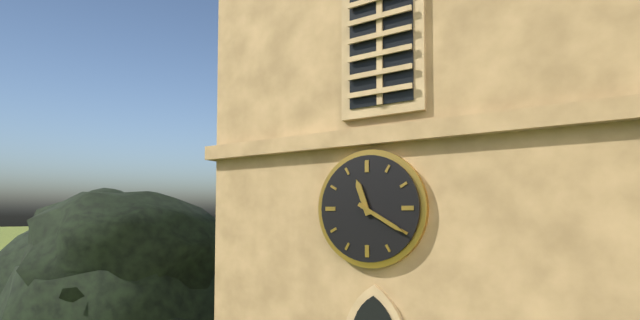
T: 11 h 20 min
